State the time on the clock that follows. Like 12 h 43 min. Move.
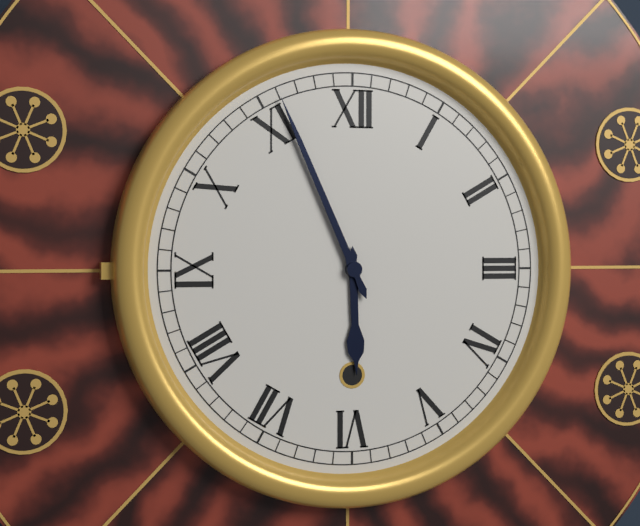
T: 5 h 56 min
